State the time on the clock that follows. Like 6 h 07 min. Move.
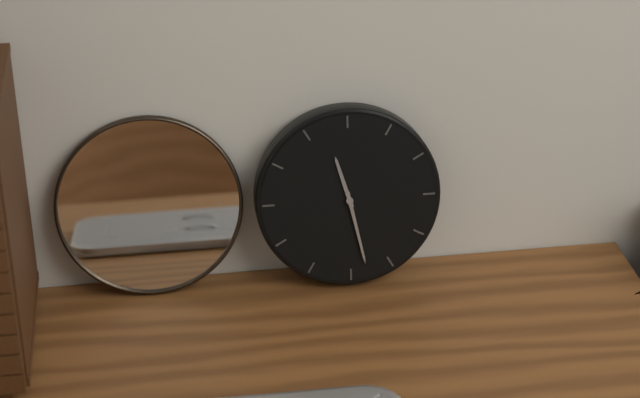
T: 11 h 28 min
